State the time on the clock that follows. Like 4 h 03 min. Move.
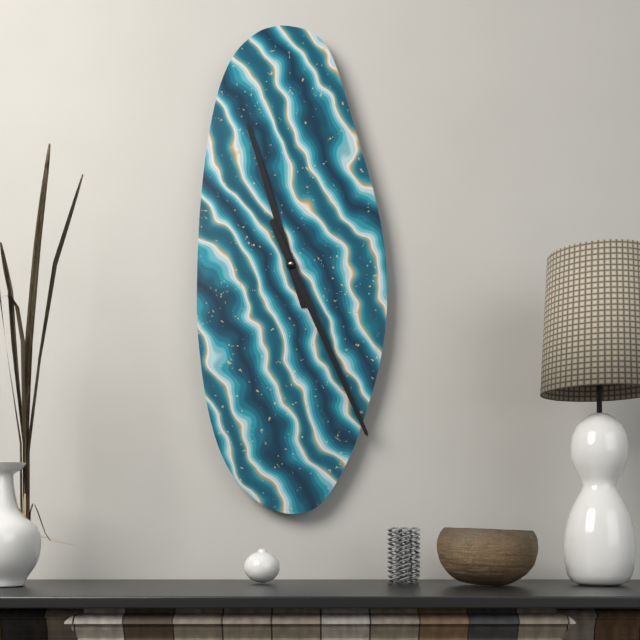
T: 11 h 26 min
